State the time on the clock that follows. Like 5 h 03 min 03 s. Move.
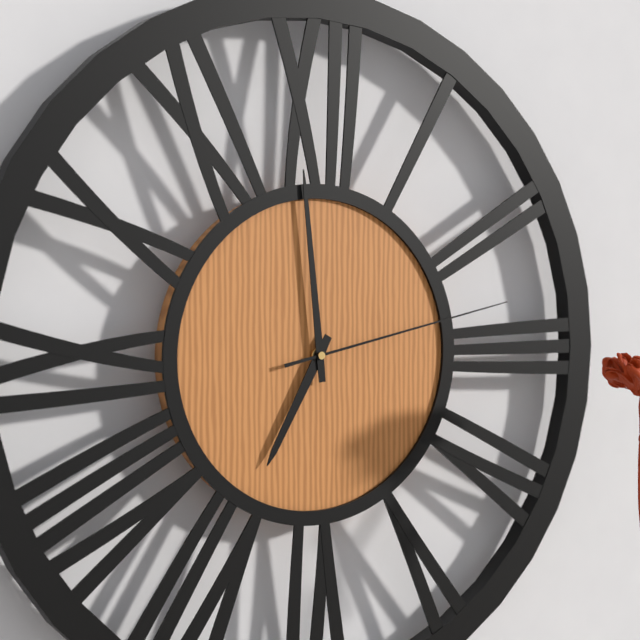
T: 6 h 59 min 13 s
